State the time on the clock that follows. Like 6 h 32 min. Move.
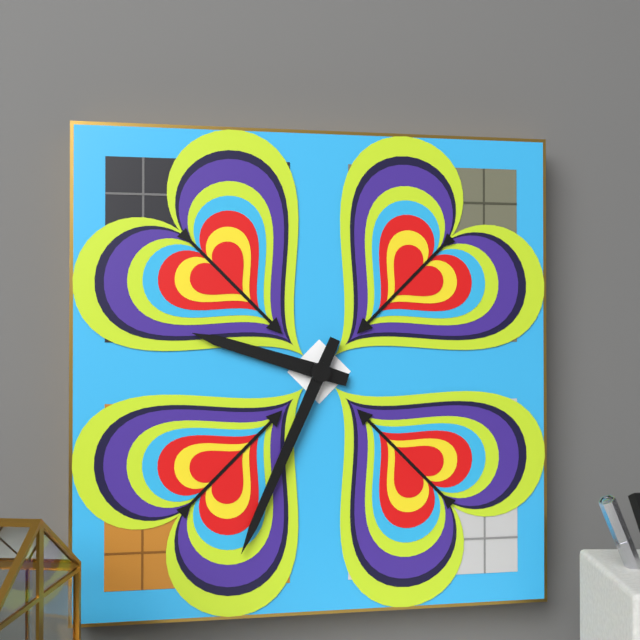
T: 9 h 34 min
